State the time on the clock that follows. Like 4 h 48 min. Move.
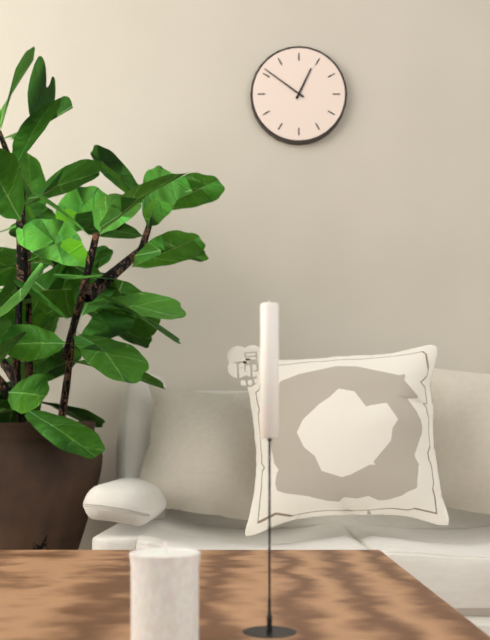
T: 12 h 51 min
